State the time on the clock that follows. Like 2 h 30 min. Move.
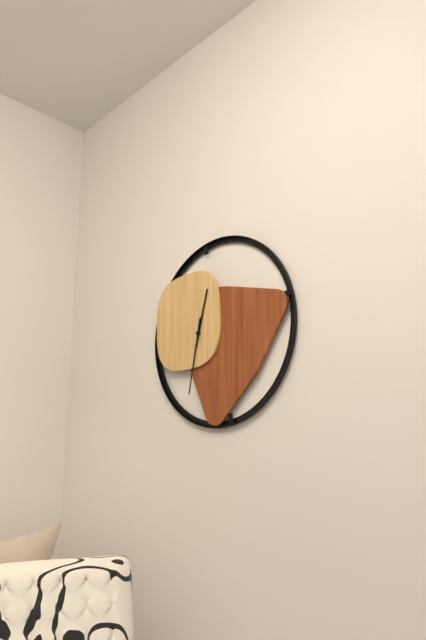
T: 12 h 32 min
